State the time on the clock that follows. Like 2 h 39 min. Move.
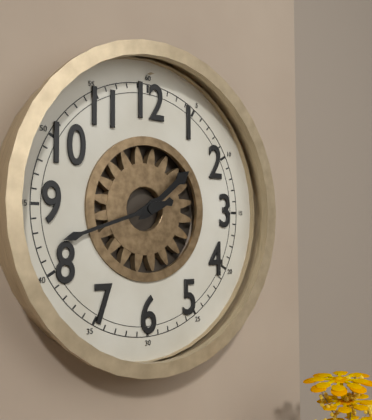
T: 1 h 42 min
